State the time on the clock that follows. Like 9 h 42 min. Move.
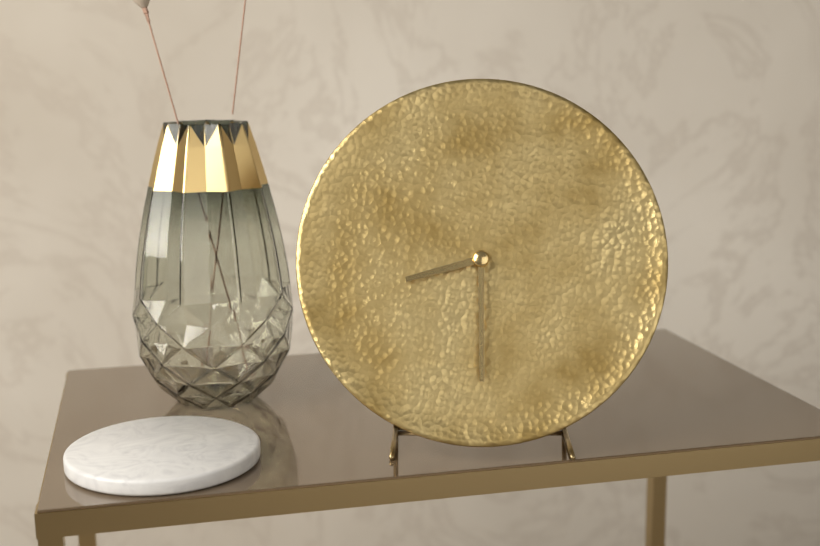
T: 8 h 30 min
